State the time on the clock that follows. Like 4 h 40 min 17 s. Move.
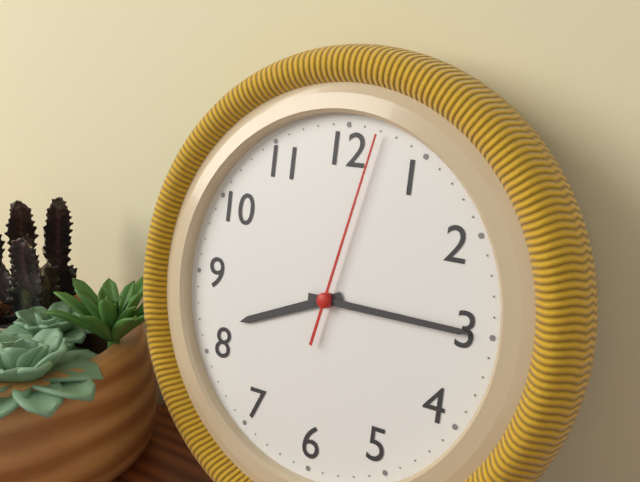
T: 8 h 15 min 02 s
